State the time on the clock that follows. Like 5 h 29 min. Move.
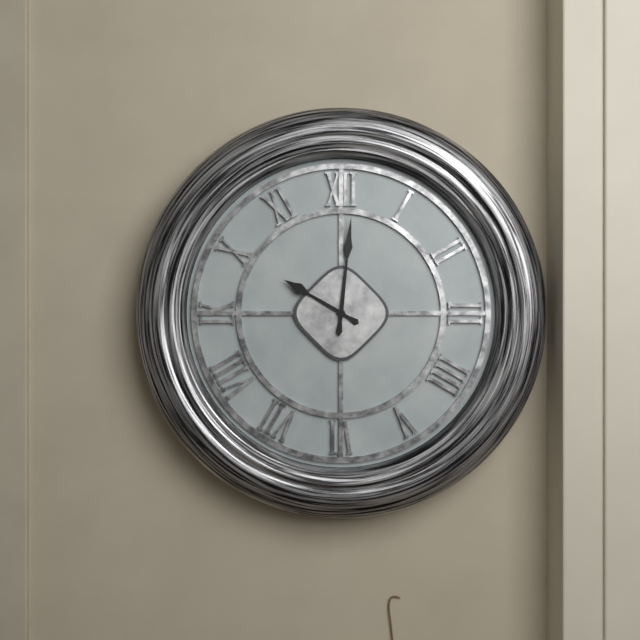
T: 10 h 01 min
